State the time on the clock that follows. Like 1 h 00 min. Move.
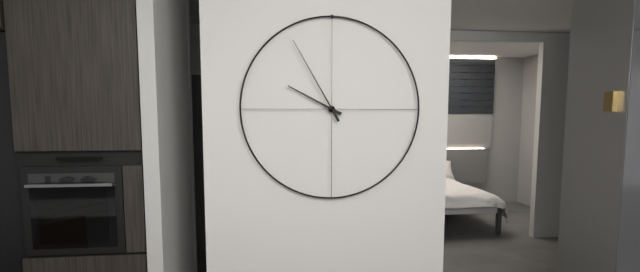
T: 9 h 55 min
